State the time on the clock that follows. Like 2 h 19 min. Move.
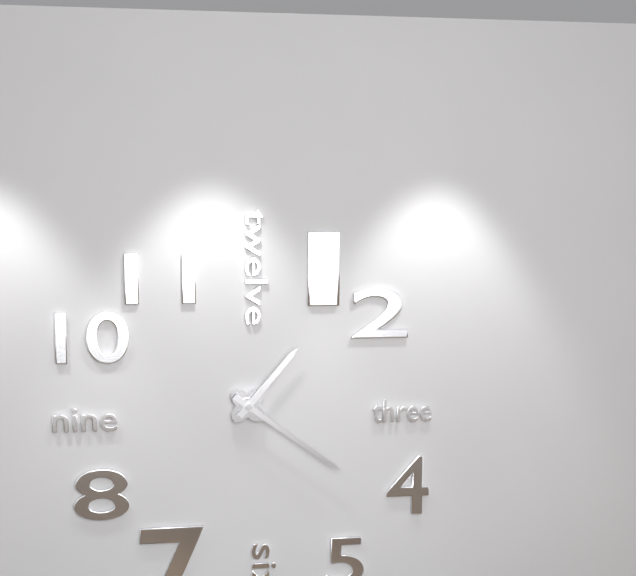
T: 1 h 21 min
